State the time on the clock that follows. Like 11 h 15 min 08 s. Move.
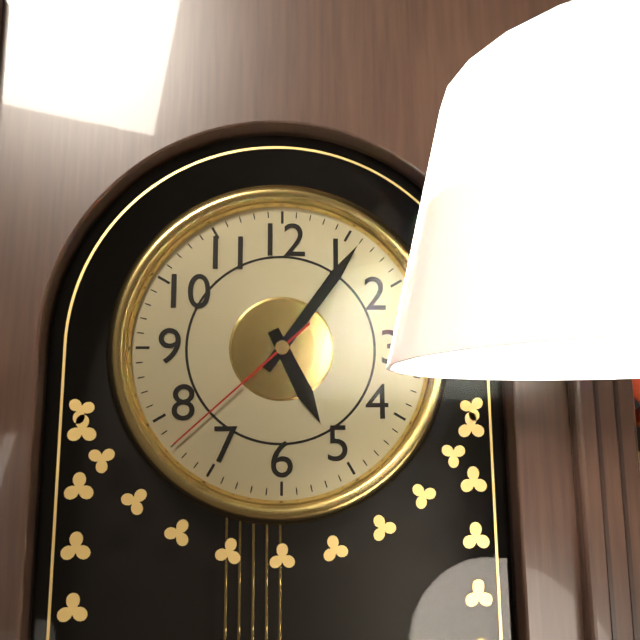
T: 5 h 06 min 38 s
